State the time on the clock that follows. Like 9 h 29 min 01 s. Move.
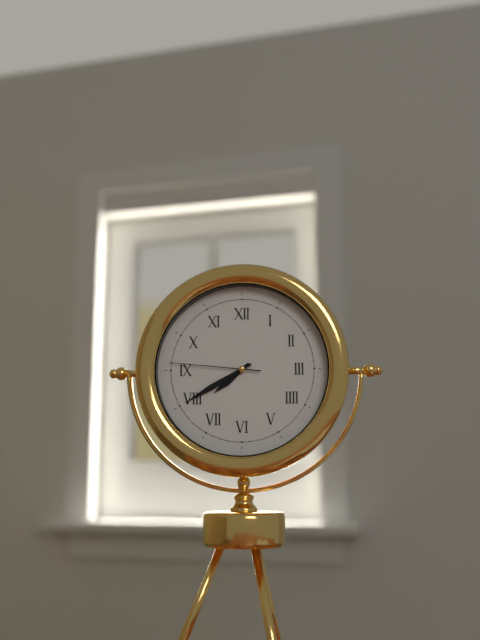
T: 7 h 40 min 46 s
